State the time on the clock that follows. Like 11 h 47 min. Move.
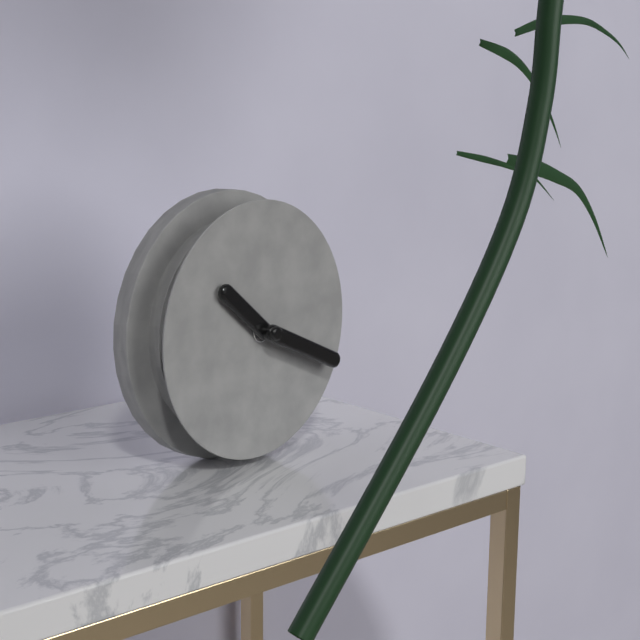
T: 10 h 19 min
